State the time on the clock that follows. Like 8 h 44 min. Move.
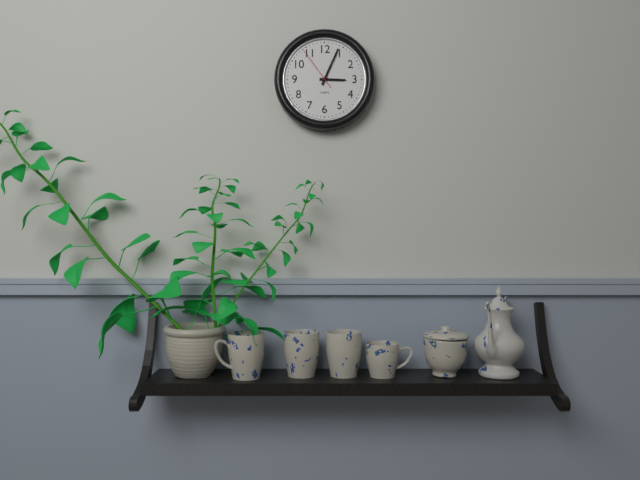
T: 3 h 04 min
